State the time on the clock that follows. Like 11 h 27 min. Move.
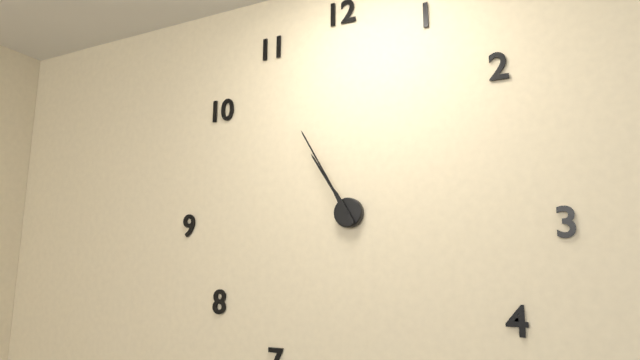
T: 10 h 55 min
